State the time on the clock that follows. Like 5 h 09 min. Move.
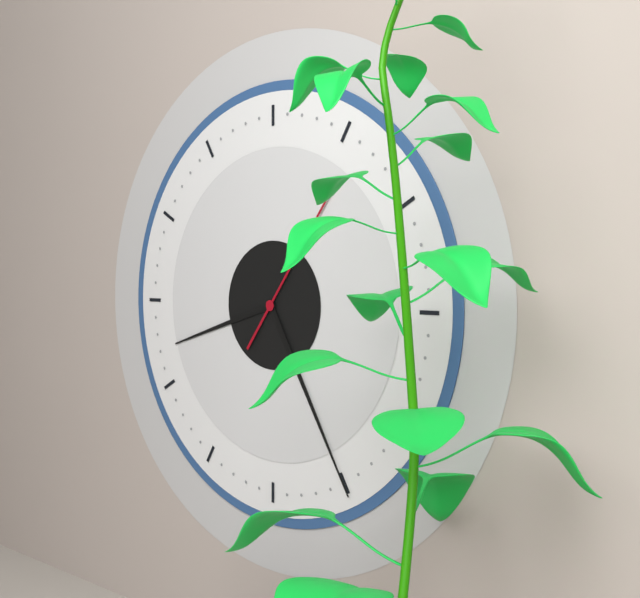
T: 8 h 25 min
